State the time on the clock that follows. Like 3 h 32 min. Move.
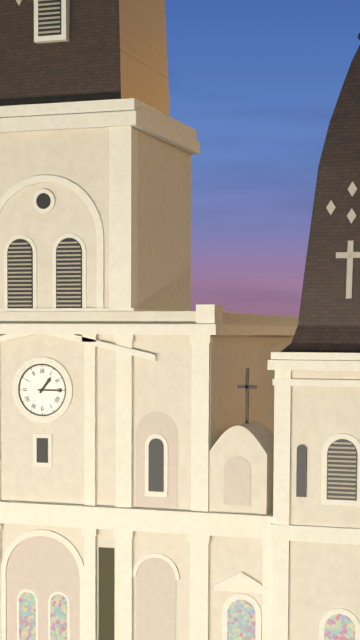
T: 1 h 15 min
